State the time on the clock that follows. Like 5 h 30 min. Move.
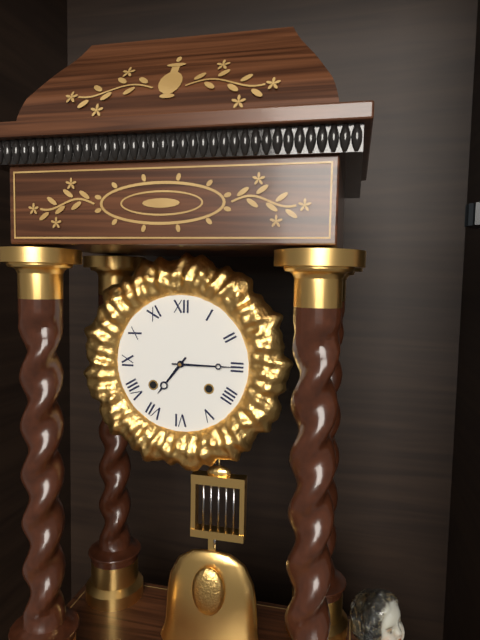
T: 7 h 15 min
